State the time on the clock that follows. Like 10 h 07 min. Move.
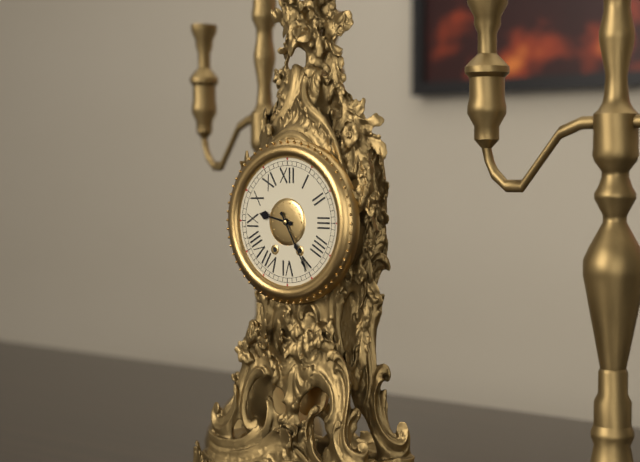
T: 9 h 25 min
